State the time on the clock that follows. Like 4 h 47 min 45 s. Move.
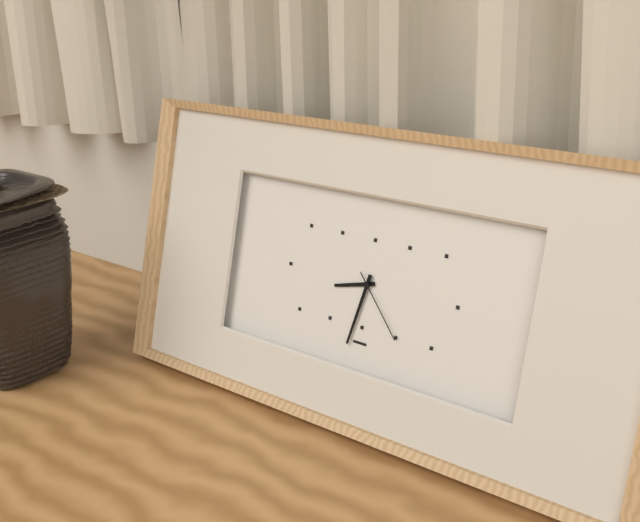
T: 8 h 32 min 23 s
